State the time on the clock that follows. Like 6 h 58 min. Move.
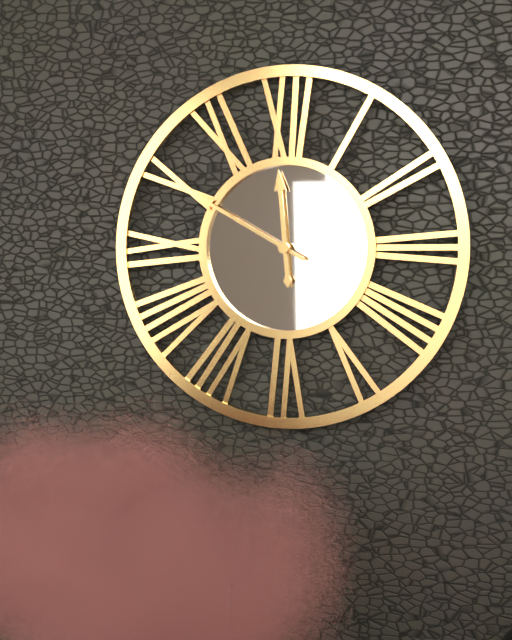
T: 11 h 50 min
